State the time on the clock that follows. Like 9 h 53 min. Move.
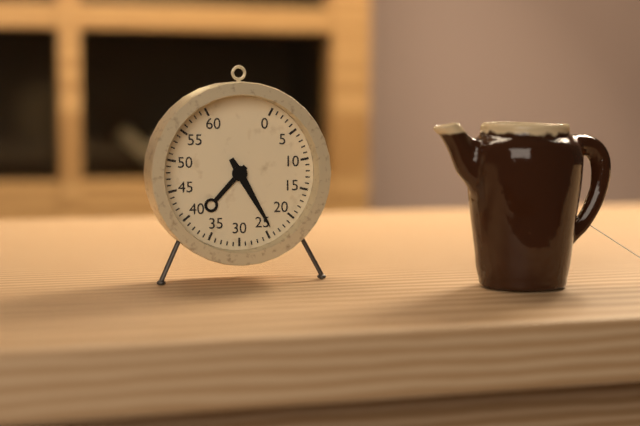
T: 7 h 25 min
